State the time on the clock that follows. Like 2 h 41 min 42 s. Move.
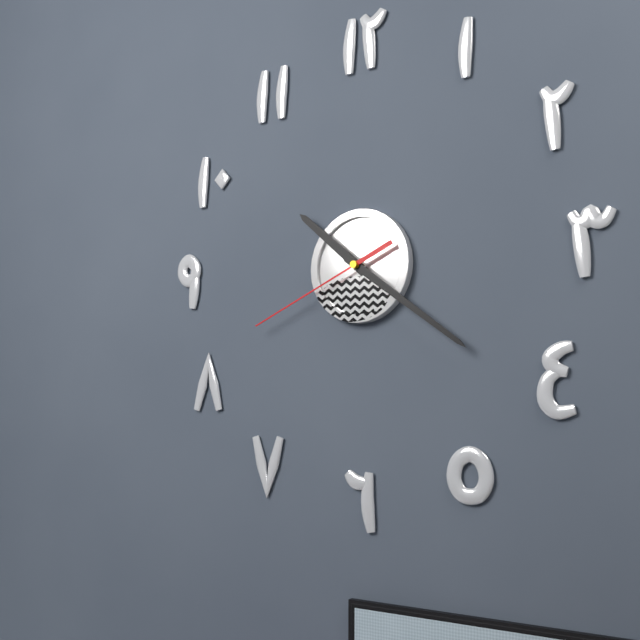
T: 10 h 21 min 41 s
